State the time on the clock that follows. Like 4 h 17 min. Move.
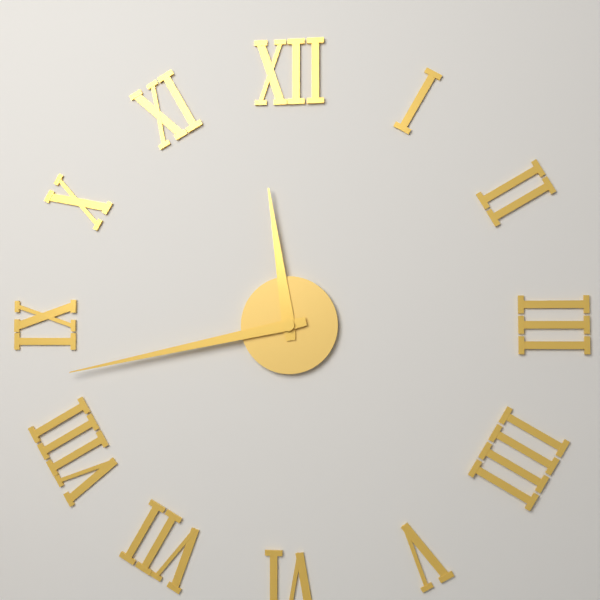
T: 11 h 43 min
